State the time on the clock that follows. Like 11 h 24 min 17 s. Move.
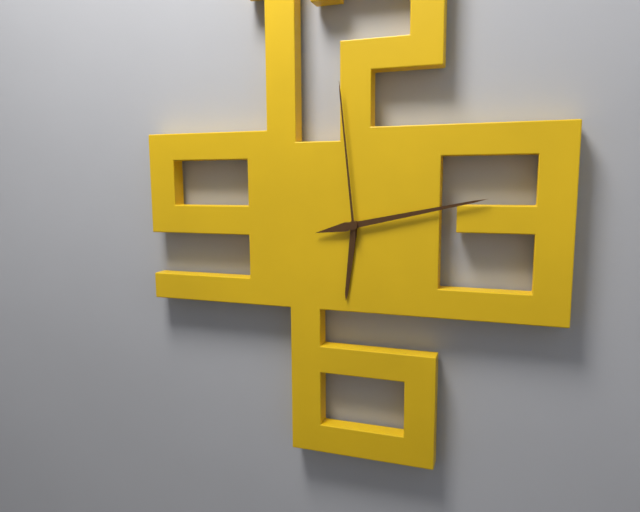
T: 6 h 13 min 59 s
